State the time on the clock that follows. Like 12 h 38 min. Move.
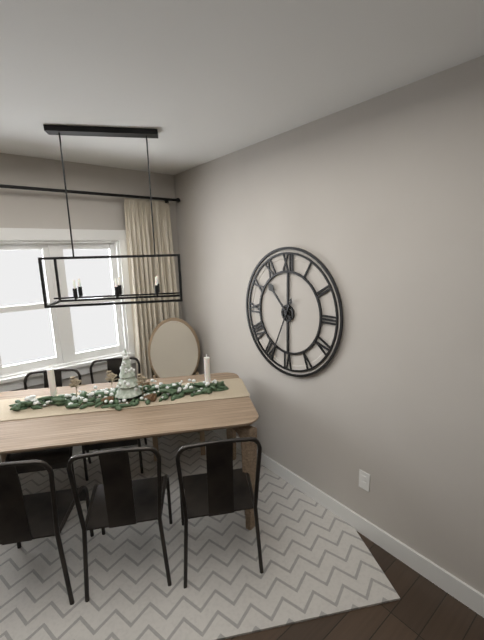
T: 10 h 34 min
